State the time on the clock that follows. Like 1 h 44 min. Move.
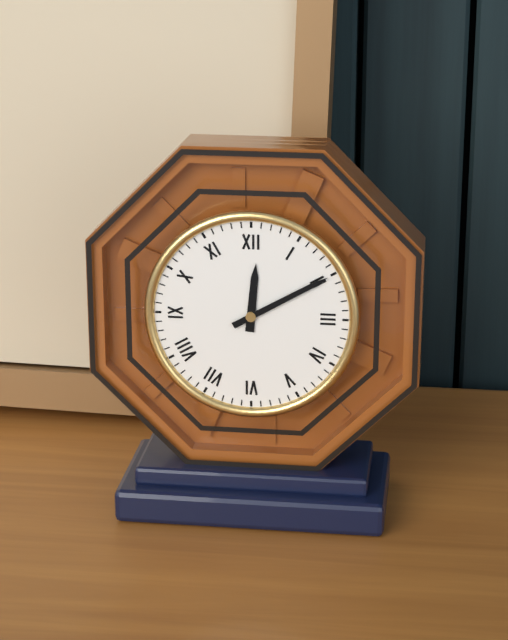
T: 12 h 10 min
